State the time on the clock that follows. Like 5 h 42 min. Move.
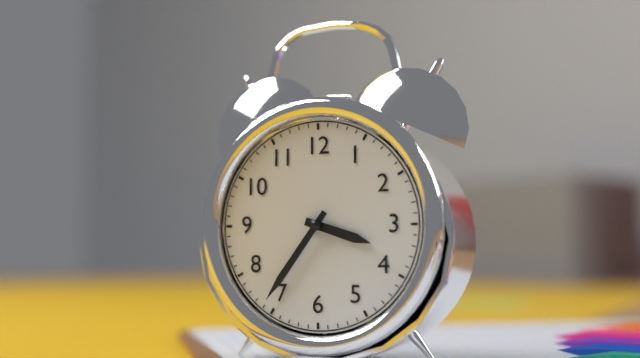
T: 3 h 36 min
